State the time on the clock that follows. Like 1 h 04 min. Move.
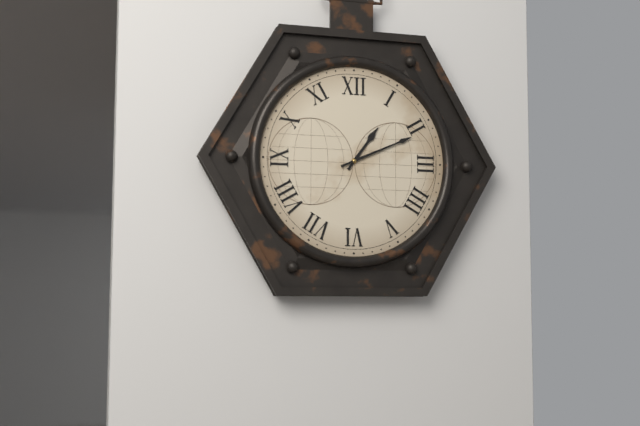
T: 1 h 11 min
